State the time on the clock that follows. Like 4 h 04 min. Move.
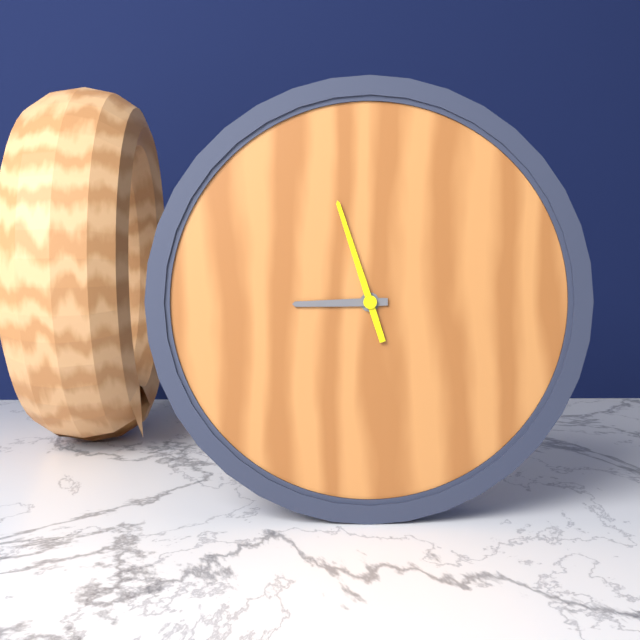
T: 8 h 57 min
